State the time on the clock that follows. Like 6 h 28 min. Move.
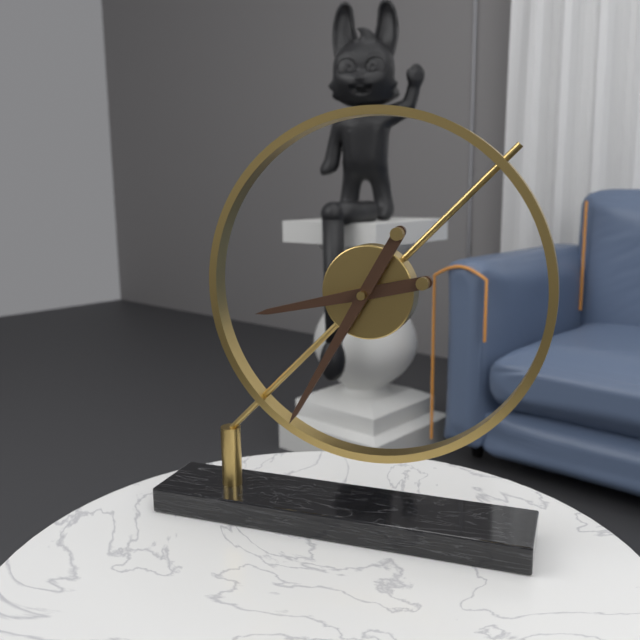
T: 8 h 35 min
